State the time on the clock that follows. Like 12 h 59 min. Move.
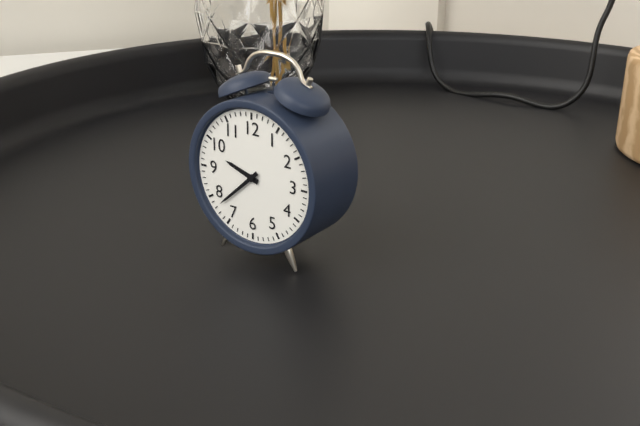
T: 9 h 38 min
